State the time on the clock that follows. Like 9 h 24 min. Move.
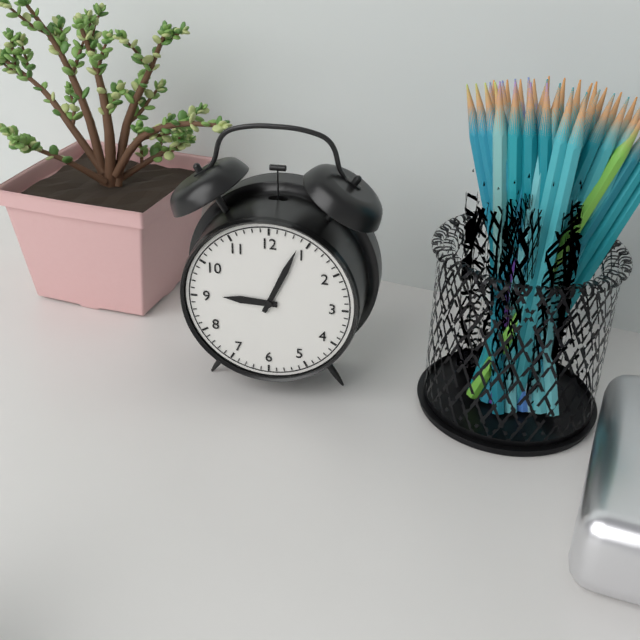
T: 9 h 04 min
